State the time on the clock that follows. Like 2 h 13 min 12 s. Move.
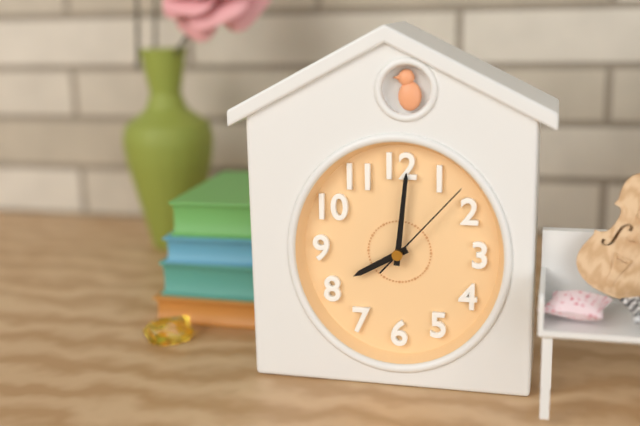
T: 8 h 01 min 07 s
